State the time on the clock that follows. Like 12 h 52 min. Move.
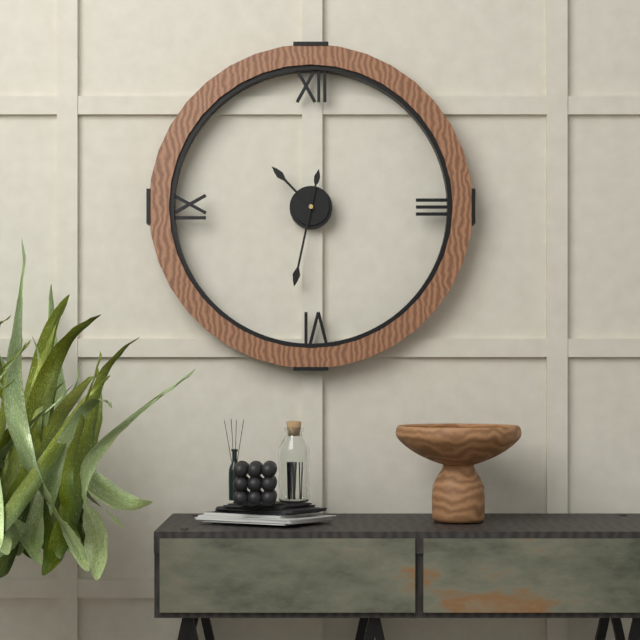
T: 10 h 32 min
